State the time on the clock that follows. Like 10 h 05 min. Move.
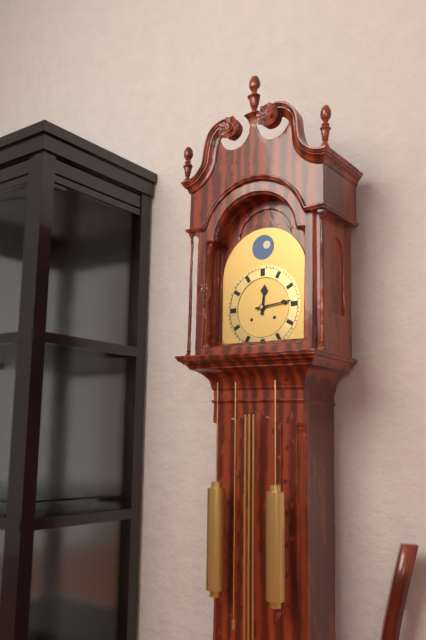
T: 12 h 14 min
